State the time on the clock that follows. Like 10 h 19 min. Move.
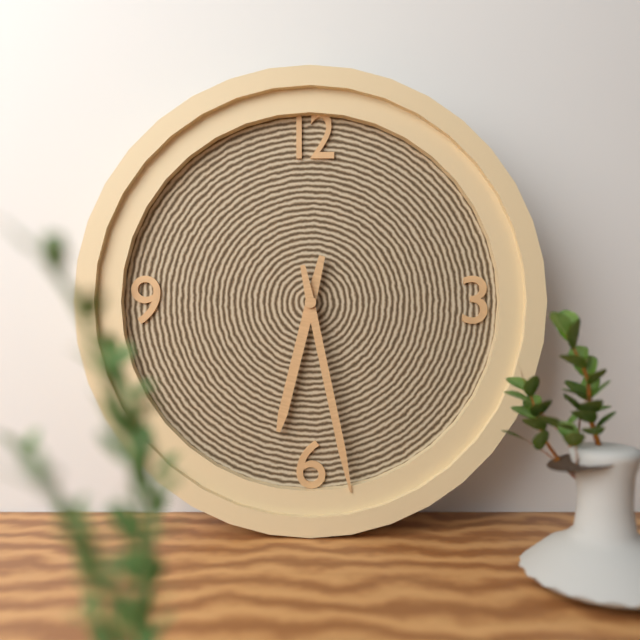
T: 6 h 28 min
